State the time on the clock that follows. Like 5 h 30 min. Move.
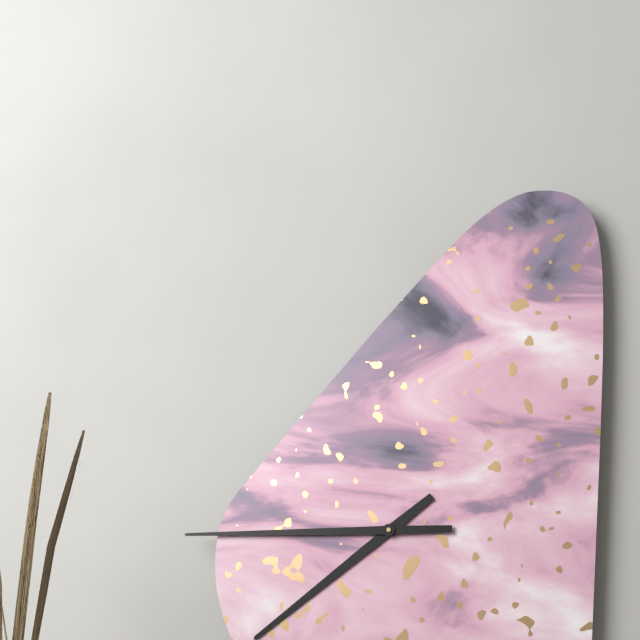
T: 7 h 45 min
